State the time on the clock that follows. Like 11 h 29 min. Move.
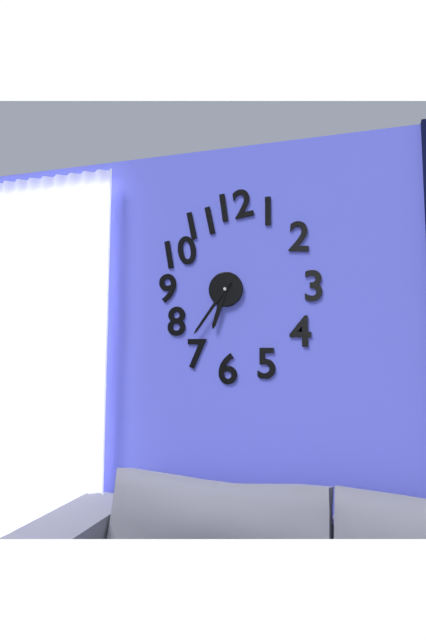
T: 6 h 36 min
